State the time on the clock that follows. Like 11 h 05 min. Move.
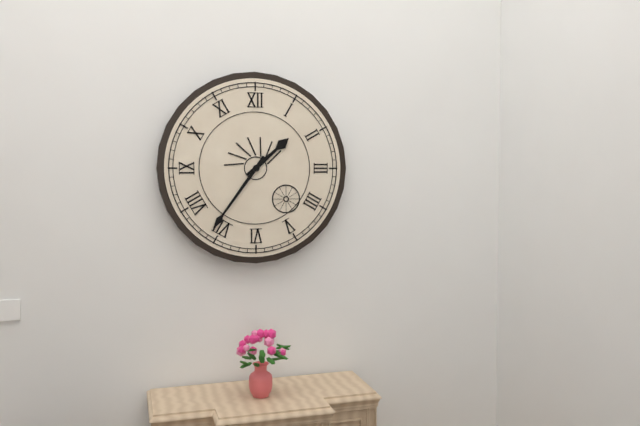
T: 1 h 36 min
